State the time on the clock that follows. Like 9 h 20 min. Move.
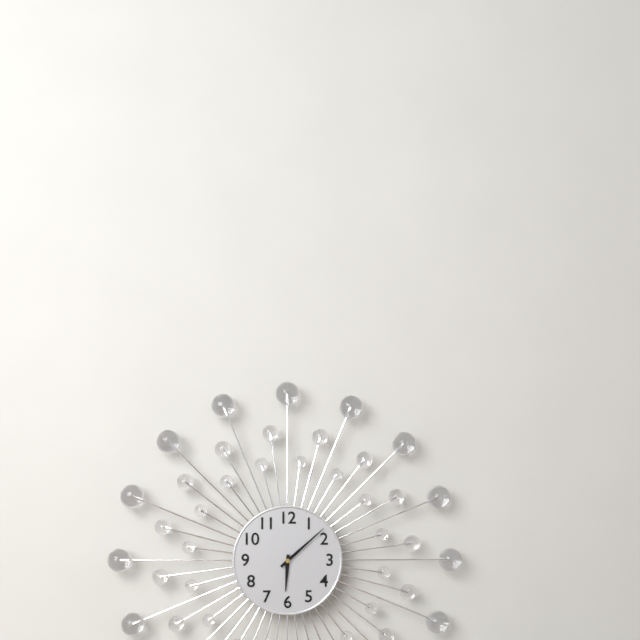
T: 6 h 08 min
